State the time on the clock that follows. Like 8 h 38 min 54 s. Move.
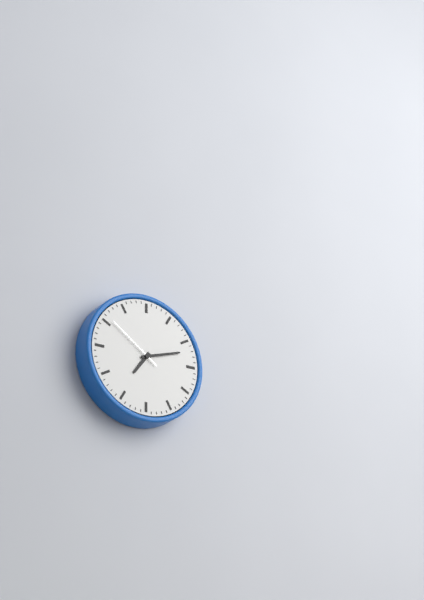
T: 7 h 12 min 51 s
